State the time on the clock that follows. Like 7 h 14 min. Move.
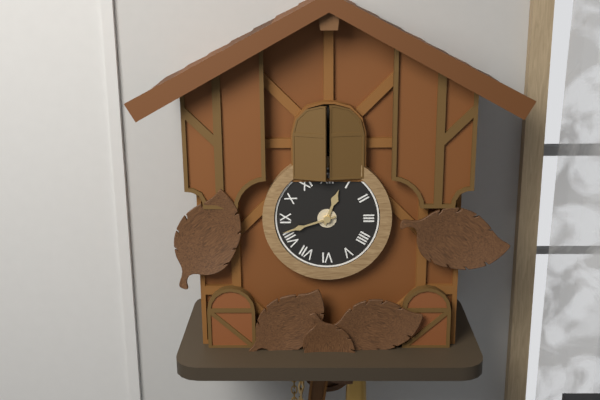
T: 12 h 42 min
